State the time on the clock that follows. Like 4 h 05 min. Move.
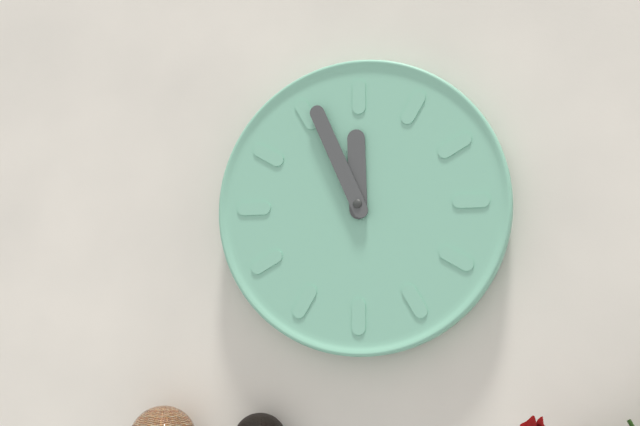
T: 11 h 56 min
